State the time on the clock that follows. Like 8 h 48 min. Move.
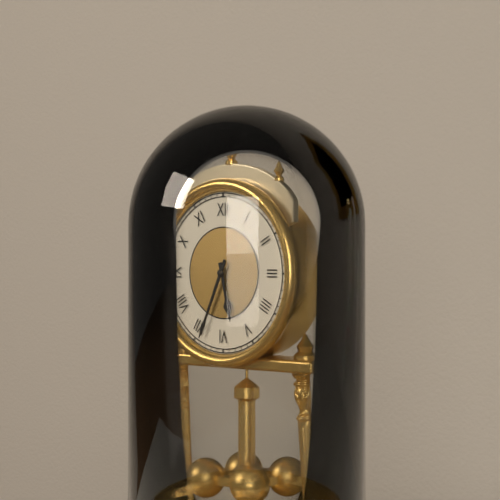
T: 5 h 34 min
